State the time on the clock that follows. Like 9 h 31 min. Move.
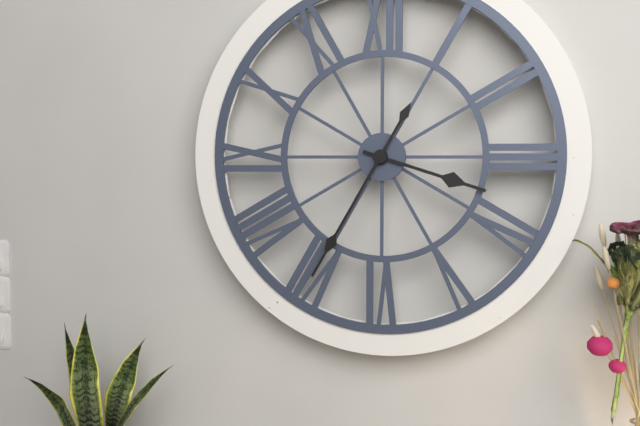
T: 3 h 35 min
